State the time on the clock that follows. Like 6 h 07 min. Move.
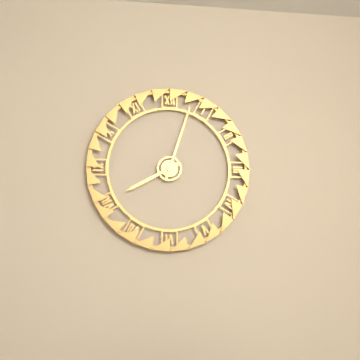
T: 8 h 03 min
